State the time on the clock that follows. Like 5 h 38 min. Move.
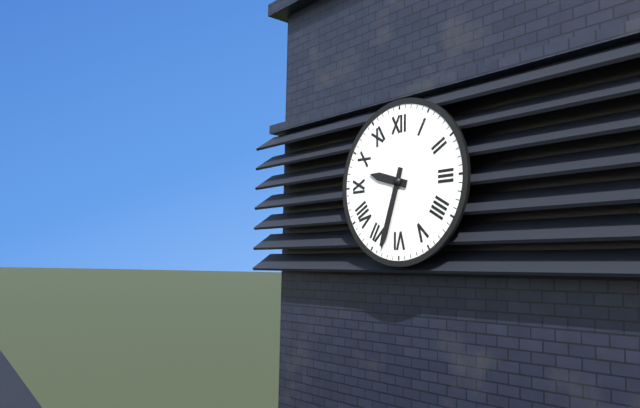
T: 9 h 33 min
